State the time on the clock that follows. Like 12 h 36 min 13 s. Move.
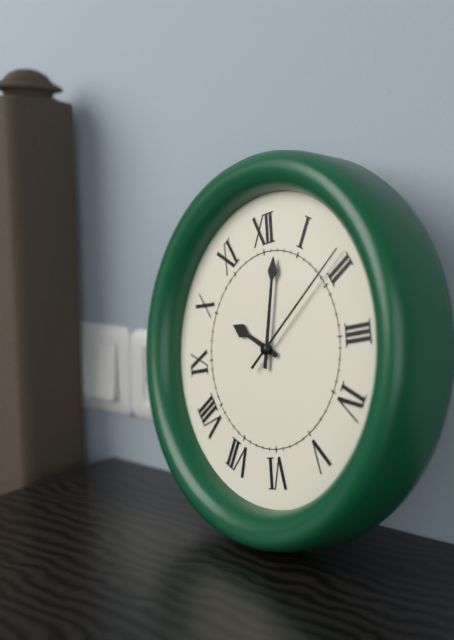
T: 10 h 02 min 09 s
